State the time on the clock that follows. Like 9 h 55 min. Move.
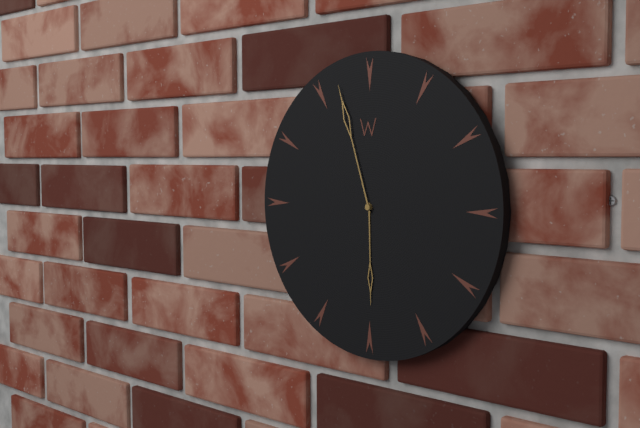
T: 5 h 57 min
